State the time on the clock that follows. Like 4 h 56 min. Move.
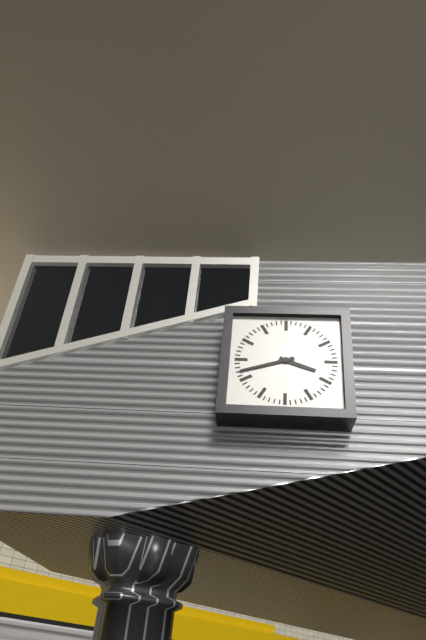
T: 3 h 42 min
